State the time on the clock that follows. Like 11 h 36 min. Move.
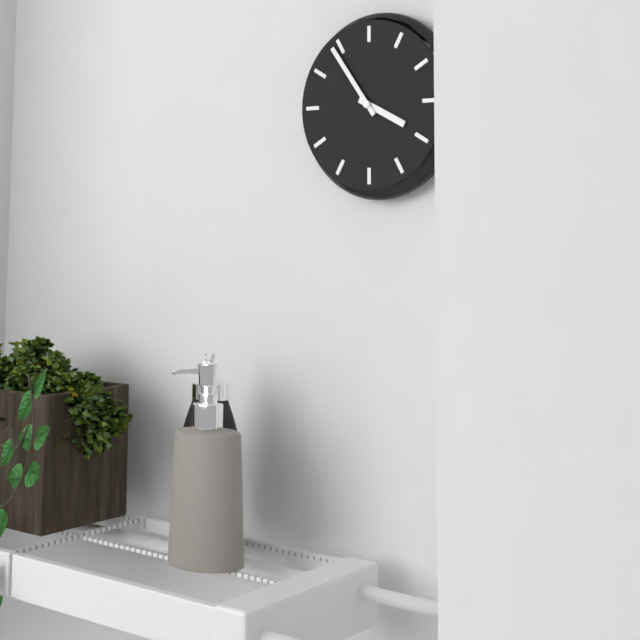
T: 3 h 54 min
